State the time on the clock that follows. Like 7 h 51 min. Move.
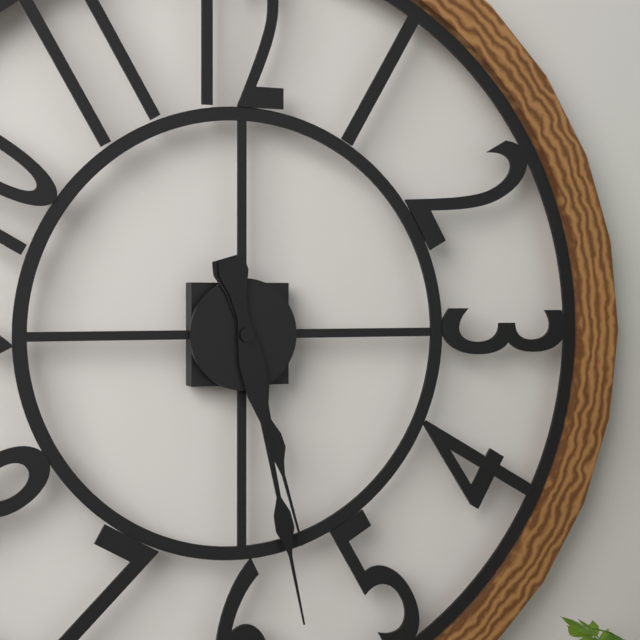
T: 5 h 28 min
